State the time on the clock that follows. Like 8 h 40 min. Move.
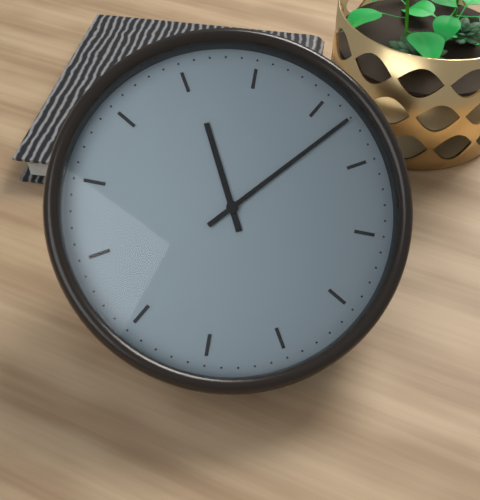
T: 11 h 07 min
